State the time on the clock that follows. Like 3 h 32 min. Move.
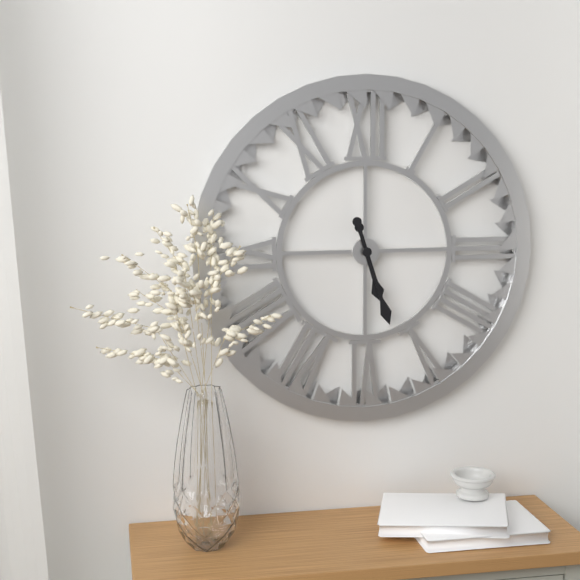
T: 5 h 27 min
